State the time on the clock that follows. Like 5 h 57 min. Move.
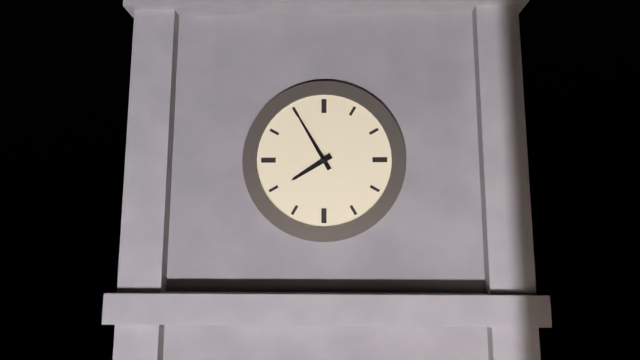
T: 7 h 55 min
